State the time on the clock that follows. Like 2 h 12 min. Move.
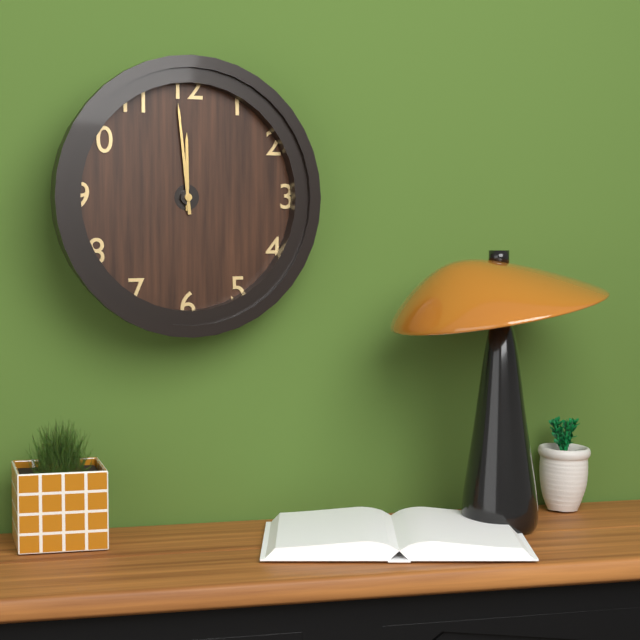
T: 11 h 59 min
